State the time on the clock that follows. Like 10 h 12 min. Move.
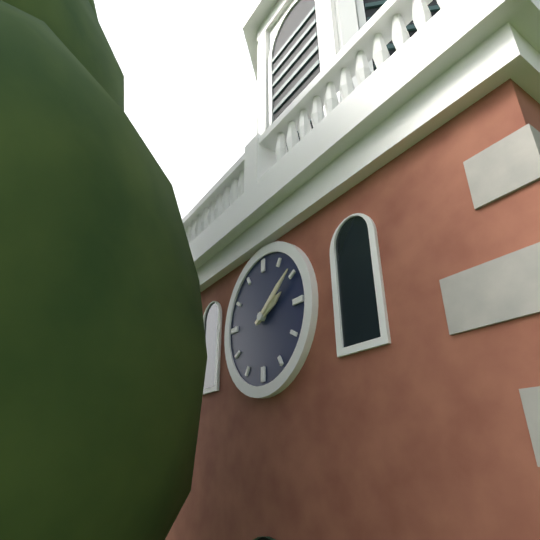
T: 2 h 09 min
